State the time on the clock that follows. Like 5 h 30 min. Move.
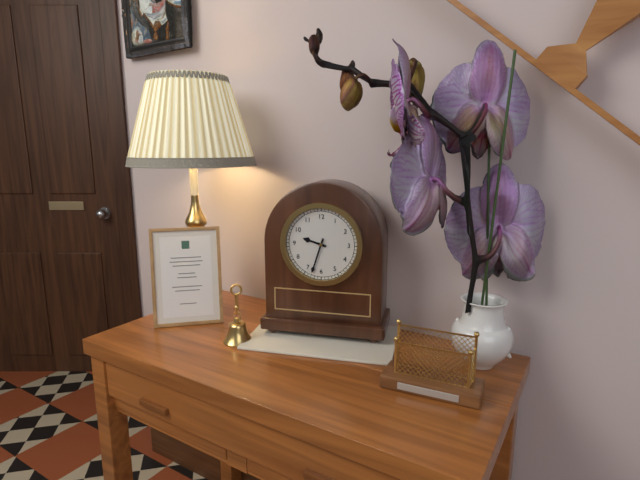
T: 9 h 33 min
